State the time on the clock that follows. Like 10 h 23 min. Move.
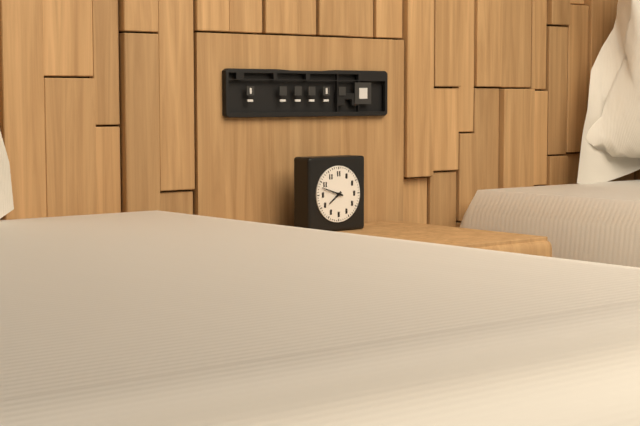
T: 7 h 48 min
